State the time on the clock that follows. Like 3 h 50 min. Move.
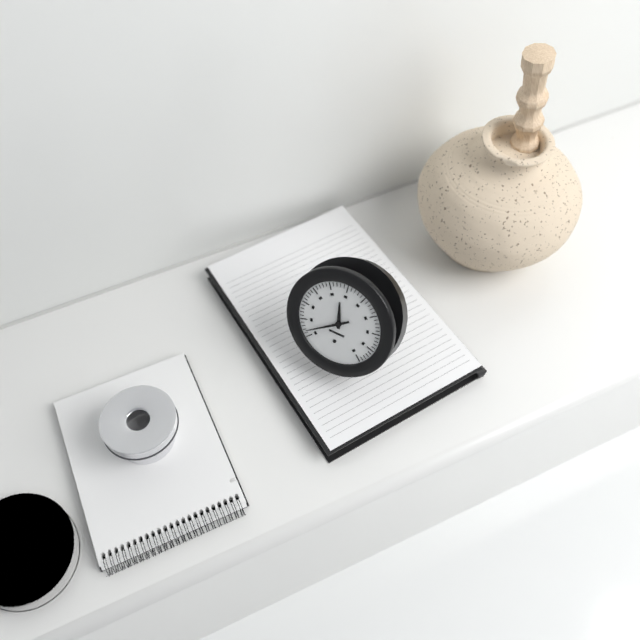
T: 11 h 39 min
